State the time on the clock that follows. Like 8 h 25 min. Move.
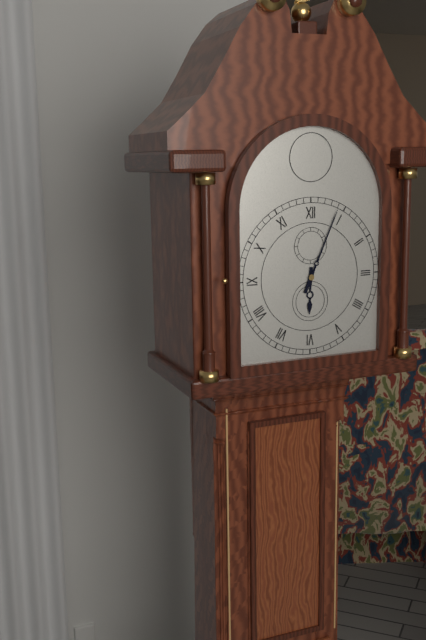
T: 6 h 04 min
